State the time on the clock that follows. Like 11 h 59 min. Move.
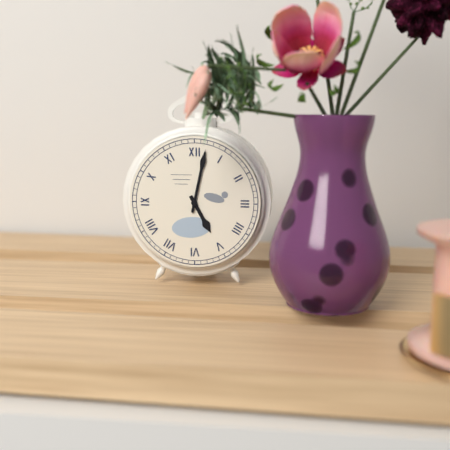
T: 5 h 02 min
